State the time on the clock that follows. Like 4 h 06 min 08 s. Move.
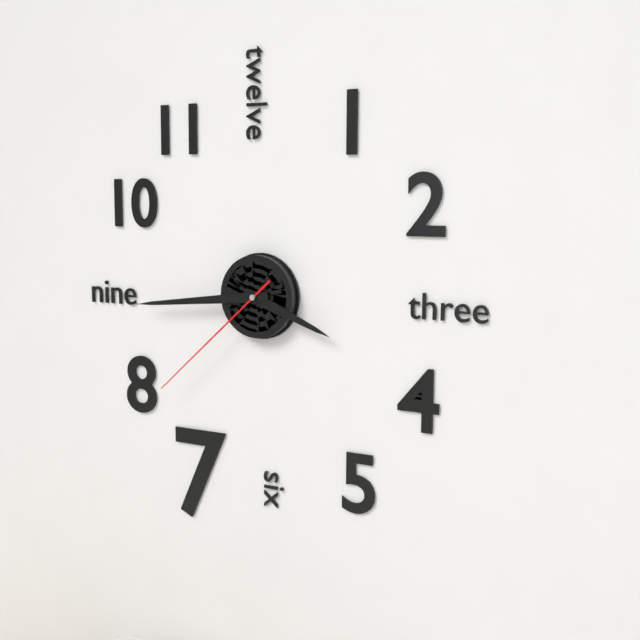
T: 3 h 44 min 38 s
